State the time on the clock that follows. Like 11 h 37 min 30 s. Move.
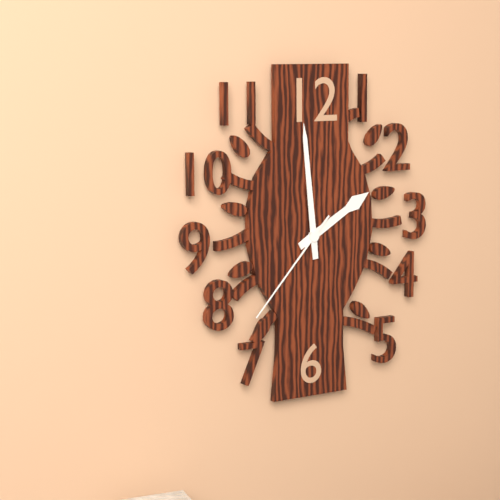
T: 1 h 59 min 37 s
